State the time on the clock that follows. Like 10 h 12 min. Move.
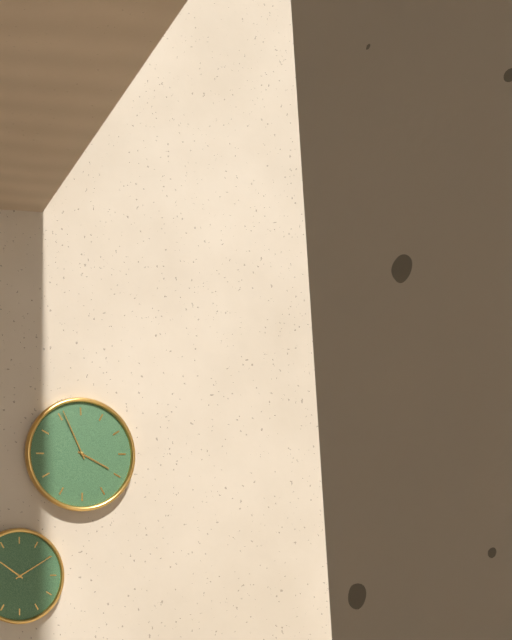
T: 3 h 56 min
